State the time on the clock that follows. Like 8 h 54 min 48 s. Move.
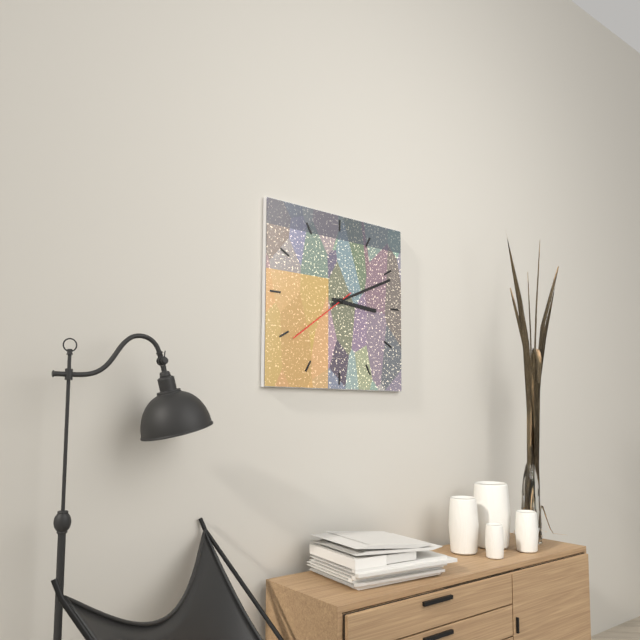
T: 3 h 11 min 39 s
